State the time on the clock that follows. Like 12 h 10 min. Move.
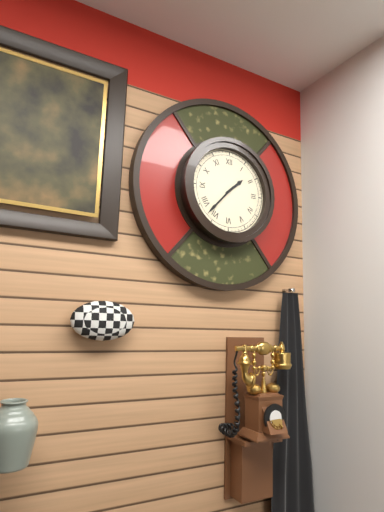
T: 1 h 37 min
